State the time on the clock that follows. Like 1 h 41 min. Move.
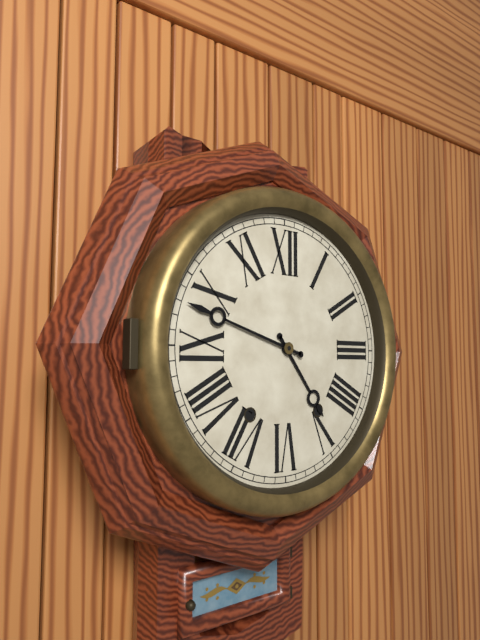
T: 4 h 48 min
